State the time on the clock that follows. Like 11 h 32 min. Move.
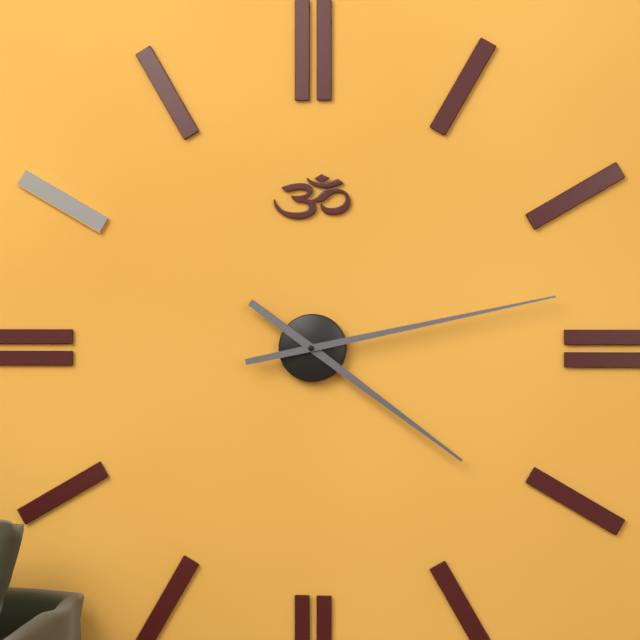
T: 4 h 13 min
